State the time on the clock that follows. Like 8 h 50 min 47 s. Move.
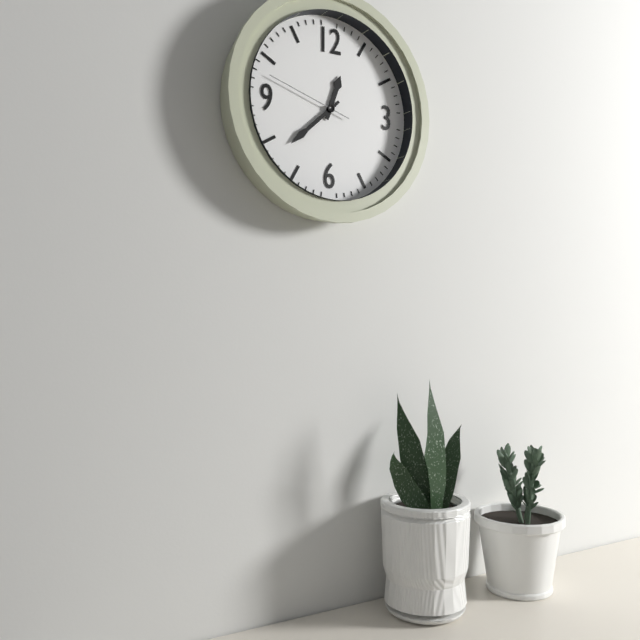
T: 12 h 38 min 48 s
